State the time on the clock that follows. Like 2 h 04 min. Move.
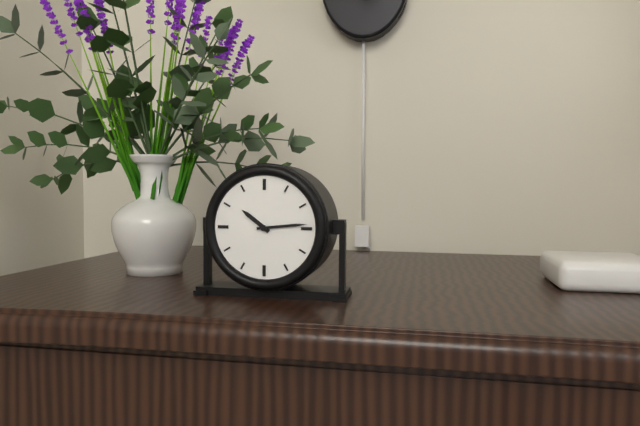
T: 10 h 14 min
